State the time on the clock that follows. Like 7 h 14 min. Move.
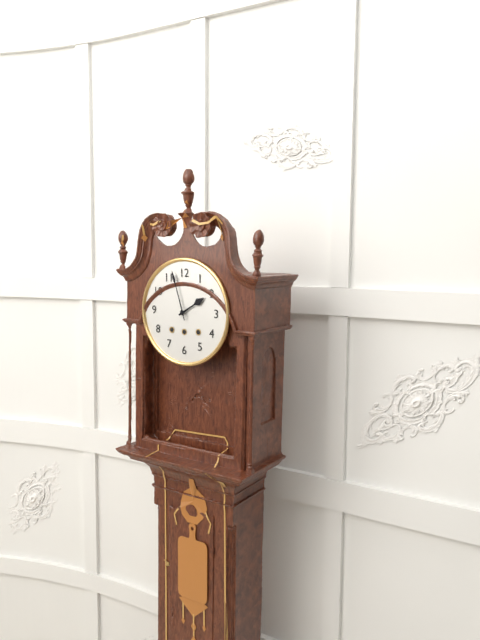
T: 1 h 57 min
